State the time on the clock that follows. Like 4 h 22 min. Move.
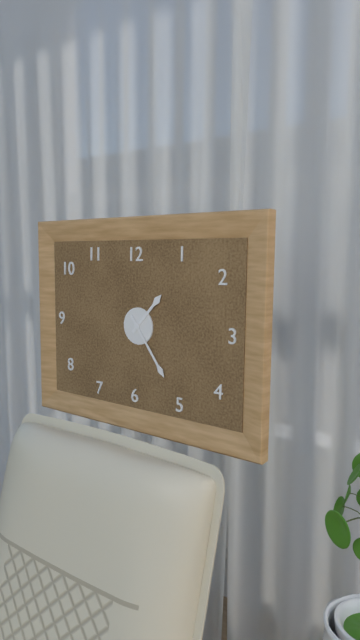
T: 1 h 24 min
